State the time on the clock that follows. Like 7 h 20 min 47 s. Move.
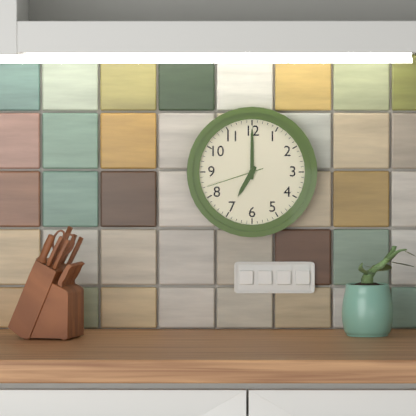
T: 7 h 00 min 42 s
